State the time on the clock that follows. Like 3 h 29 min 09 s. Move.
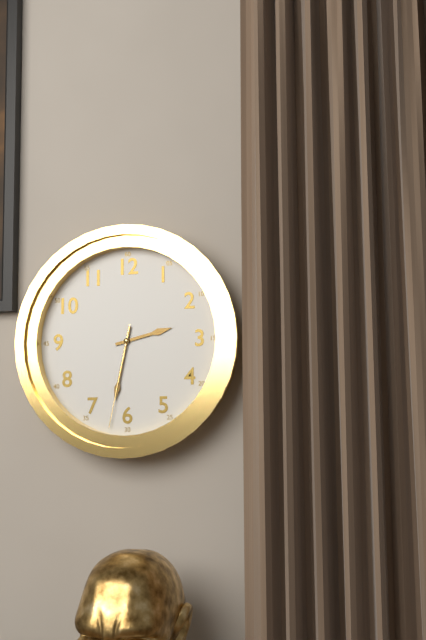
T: 2 h 32 min 32 s
